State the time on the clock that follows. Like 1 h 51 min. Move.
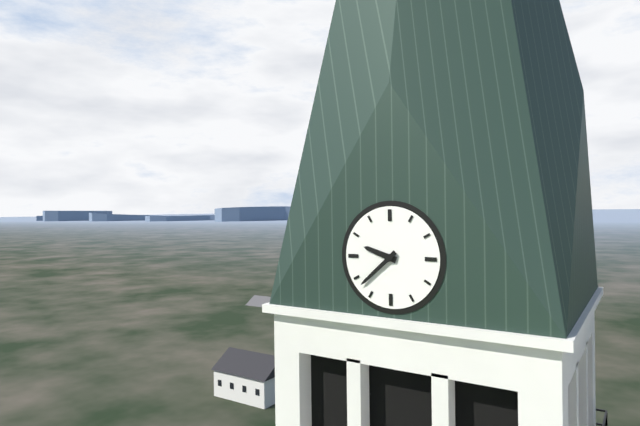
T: 9 h 38 min
